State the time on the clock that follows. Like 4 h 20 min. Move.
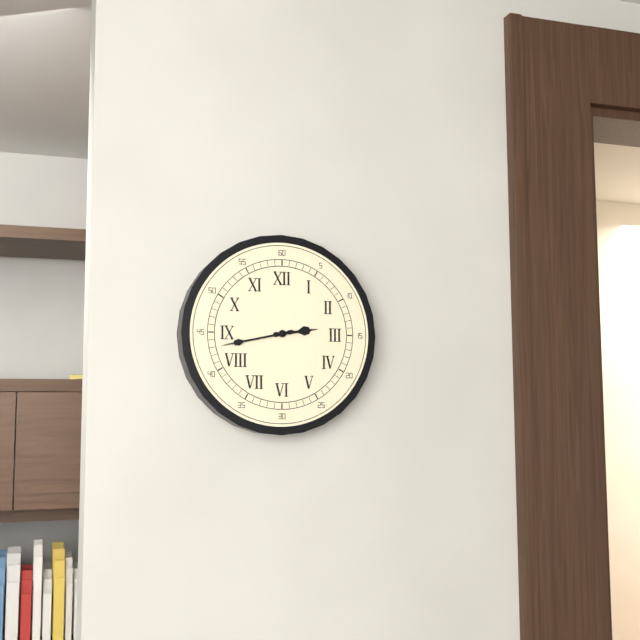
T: 2 h 43 min
